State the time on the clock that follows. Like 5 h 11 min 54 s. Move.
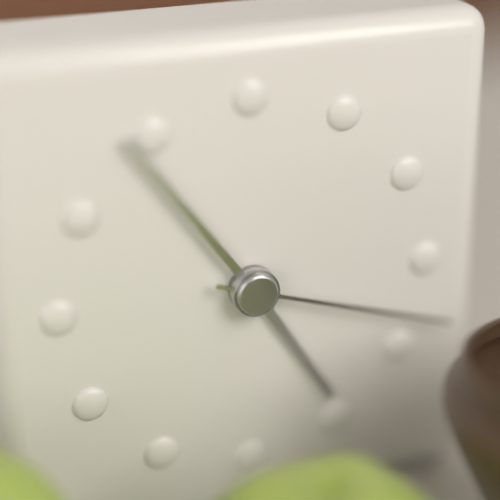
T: 4 h 54 min 18 s
